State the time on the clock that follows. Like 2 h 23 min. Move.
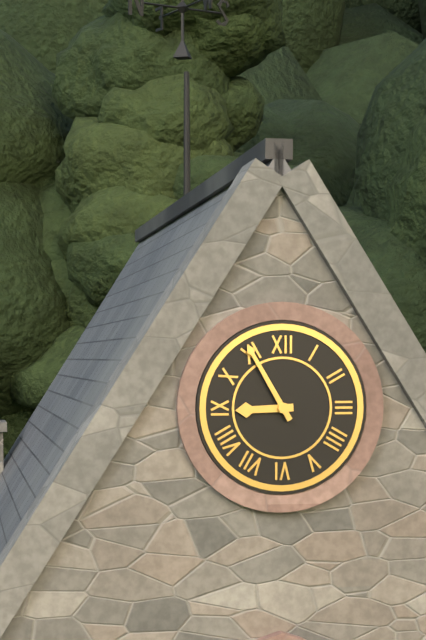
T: 8 h 55 min
